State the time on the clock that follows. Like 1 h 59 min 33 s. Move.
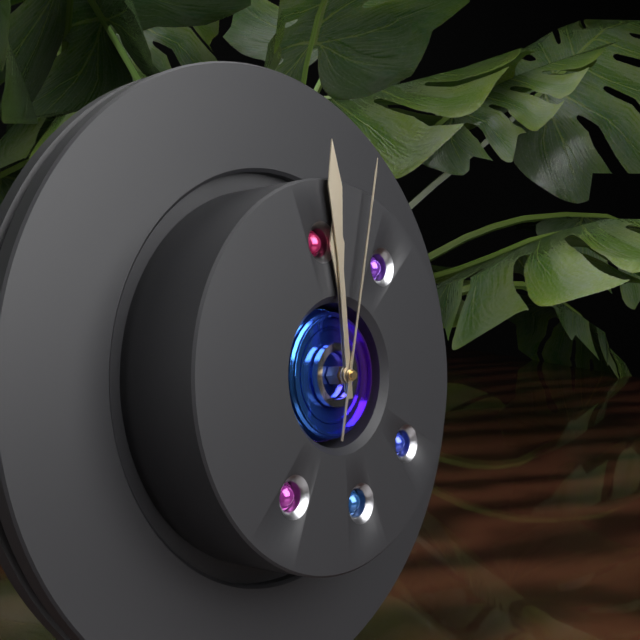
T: 12 h 00 min 03 s
